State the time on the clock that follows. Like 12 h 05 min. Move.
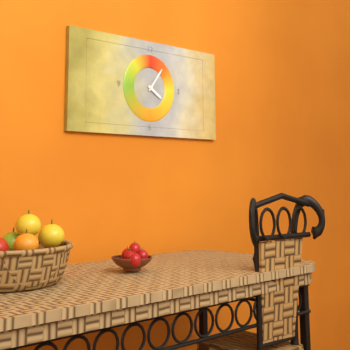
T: 4 h 06 min
